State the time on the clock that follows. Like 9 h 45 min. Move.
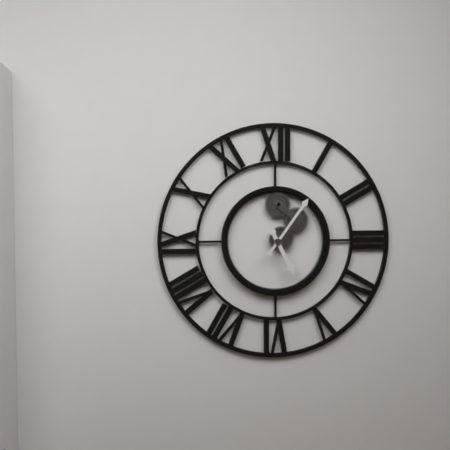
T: 5 h 06 min
